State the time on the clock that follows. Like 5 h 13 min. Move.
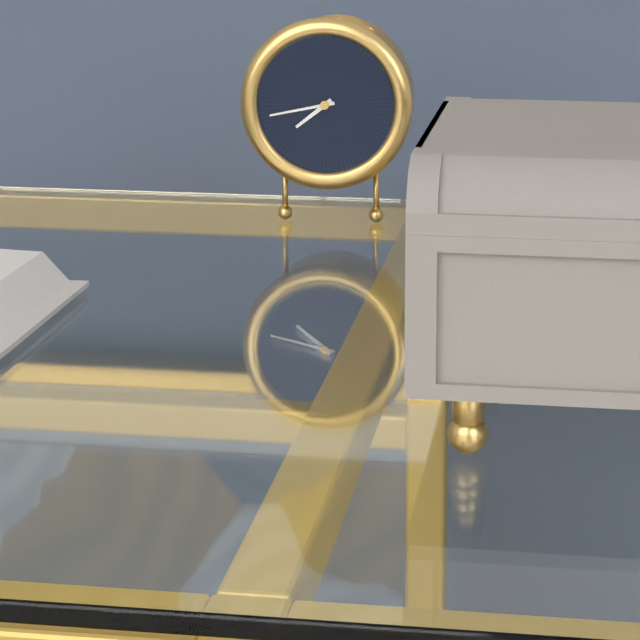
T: 7 h 43 min
